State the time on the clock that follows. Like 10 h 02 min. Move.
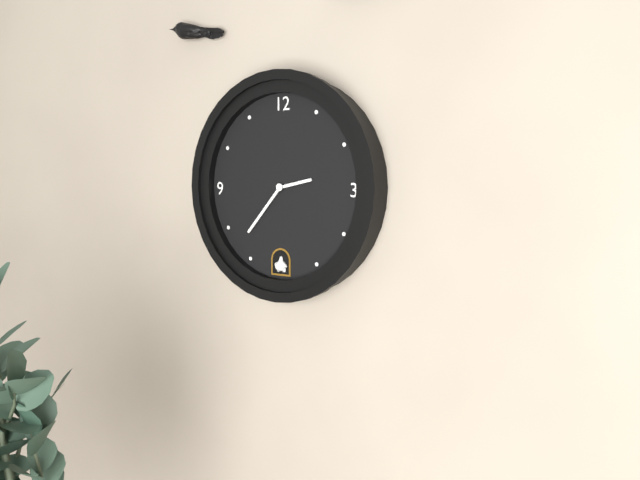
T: 2 h 37 min
